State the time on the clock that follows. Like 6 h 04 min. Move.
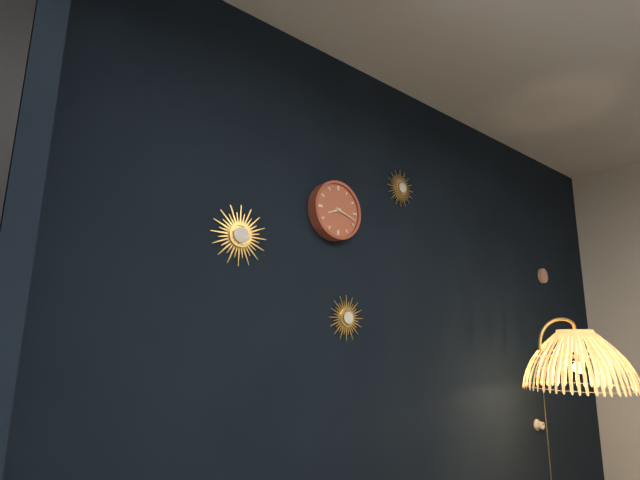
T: 8 h 18 min
